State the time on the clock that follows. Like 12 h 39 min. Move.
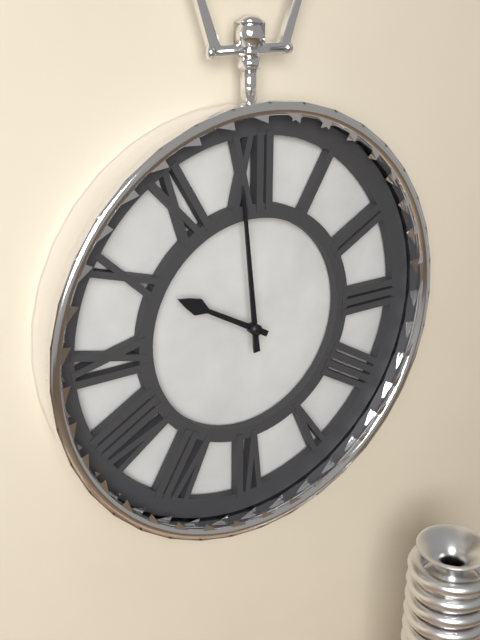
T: 9 h 59 min
